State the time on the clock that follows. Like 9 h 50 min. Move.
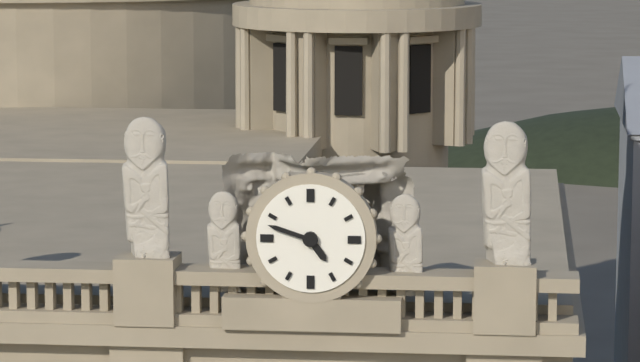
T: 4 h 48 min
